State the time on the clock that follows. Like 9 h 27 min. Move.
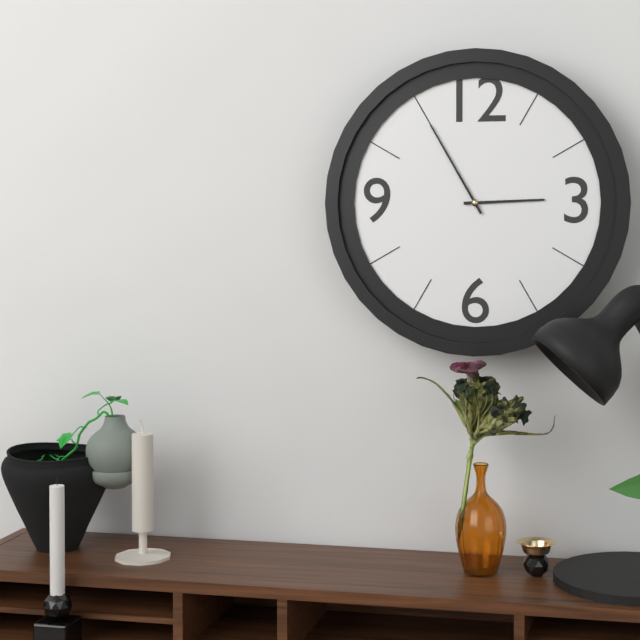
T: 2 h 55 min
